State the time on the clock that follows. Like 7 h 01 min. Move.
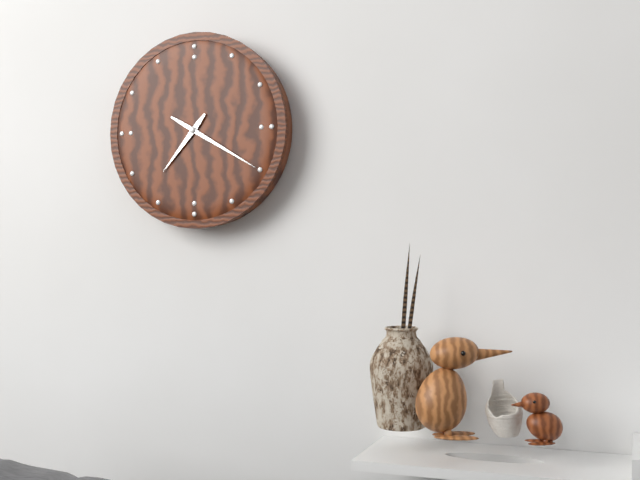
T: 7 h 20 min
